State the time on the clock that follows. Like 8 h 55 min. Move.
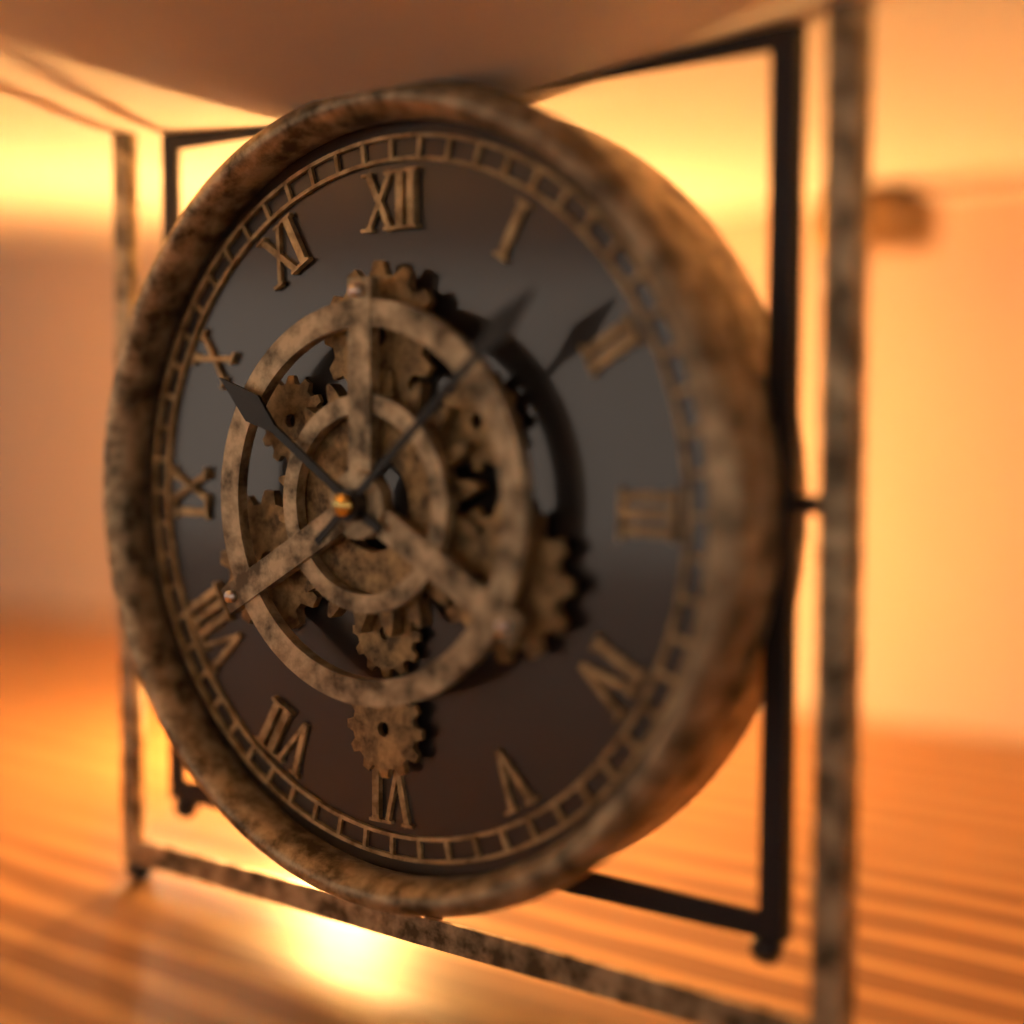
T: 10 h 08 min
